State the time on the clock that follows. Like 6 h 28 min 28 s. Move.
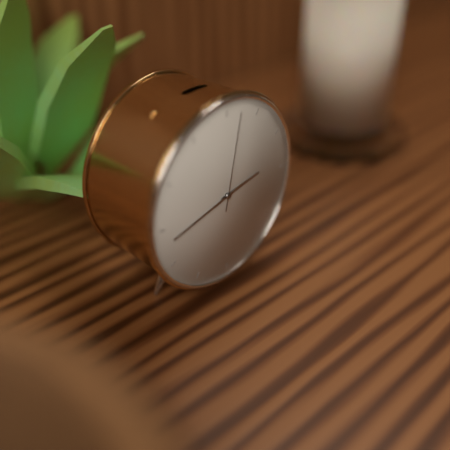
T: 2 h 43 min 02 s
